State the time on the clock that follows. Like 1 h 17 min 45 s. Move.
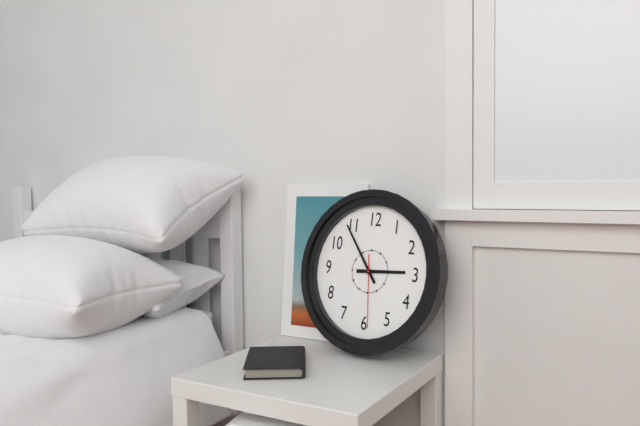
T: 2 h 54 min 29 s
